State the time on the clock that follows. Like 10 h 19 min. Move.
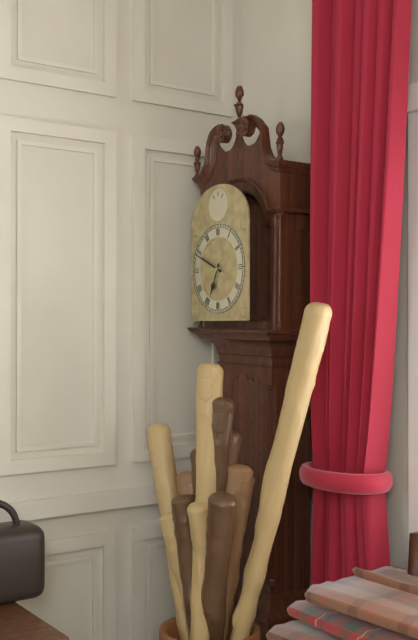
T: 6 h 49 min
